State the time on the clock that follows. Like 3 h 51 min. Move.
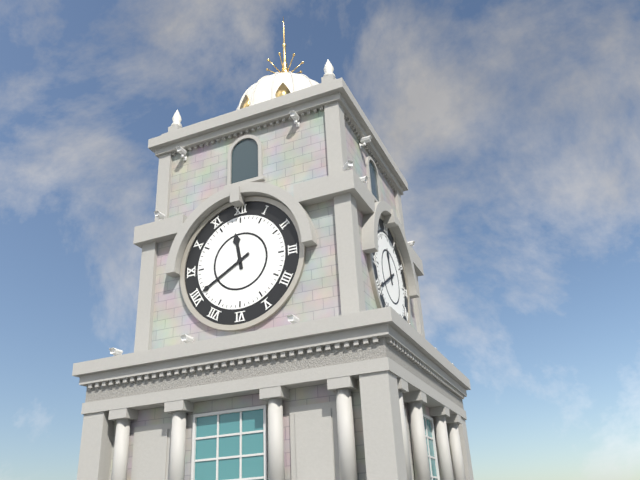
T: 11 h 40 min
